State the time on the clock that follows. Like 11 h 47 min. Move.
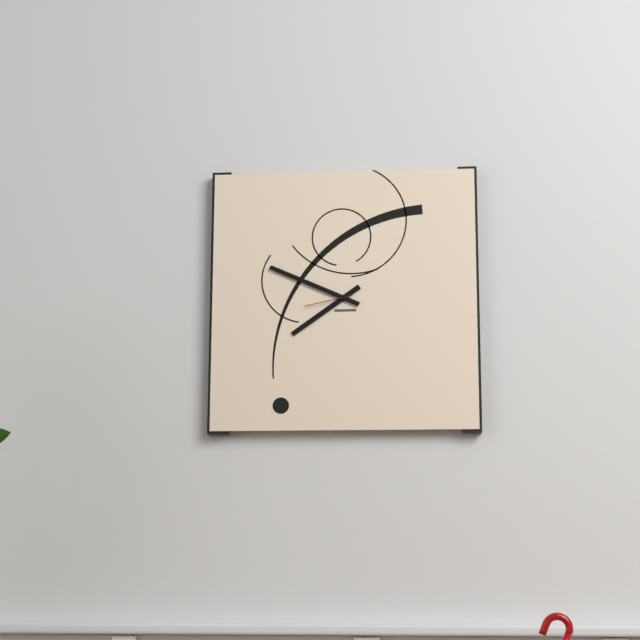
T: 7 h 49 min
